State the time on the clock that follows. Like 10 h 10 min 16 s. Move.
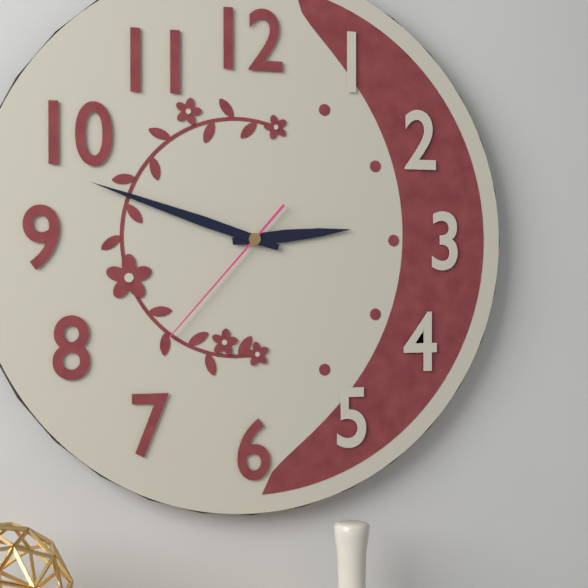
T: 2 h 48 min 37 s
